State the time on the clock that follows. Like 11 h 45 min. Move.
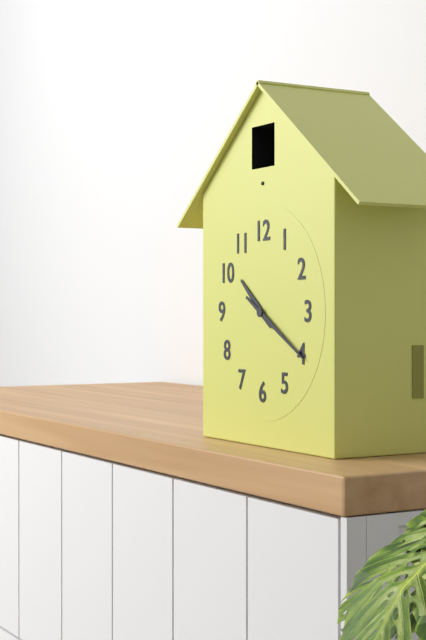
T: 10 h 20 min
